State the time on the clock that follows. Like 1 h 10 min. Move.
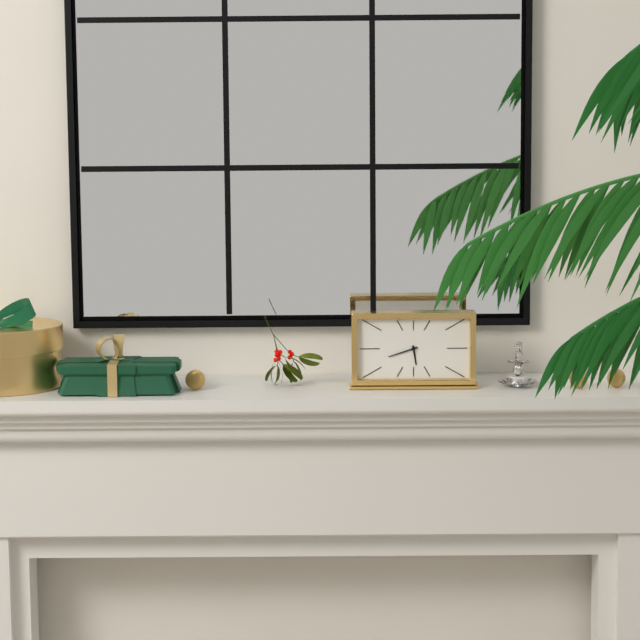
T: 5 h 42 min
